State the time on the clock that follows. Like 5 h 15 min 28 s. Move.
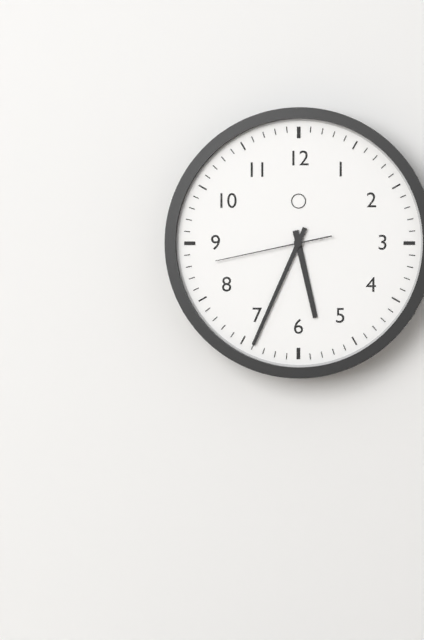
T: 5 h 34 min 43 s
